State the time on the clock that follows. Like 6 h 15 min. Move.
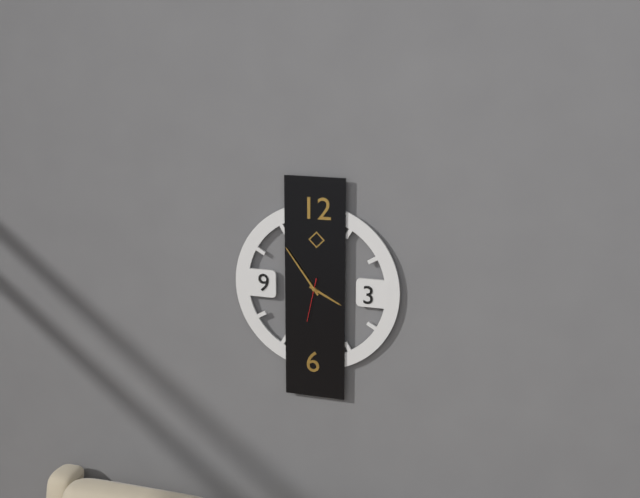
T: 3 h 54 min
